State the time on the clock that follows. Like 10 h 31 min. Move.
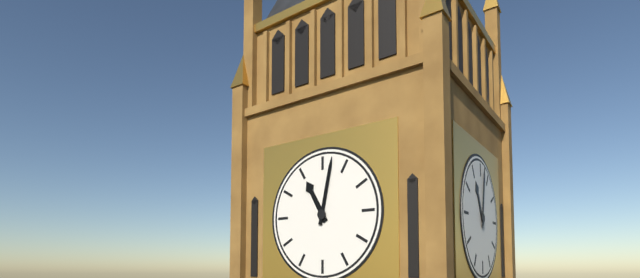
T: 11 h 02 min
